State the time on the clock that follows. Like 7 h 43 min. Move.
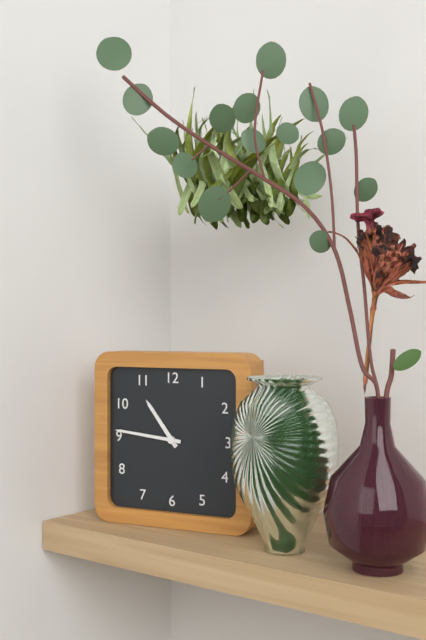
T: 10 h 46 min
